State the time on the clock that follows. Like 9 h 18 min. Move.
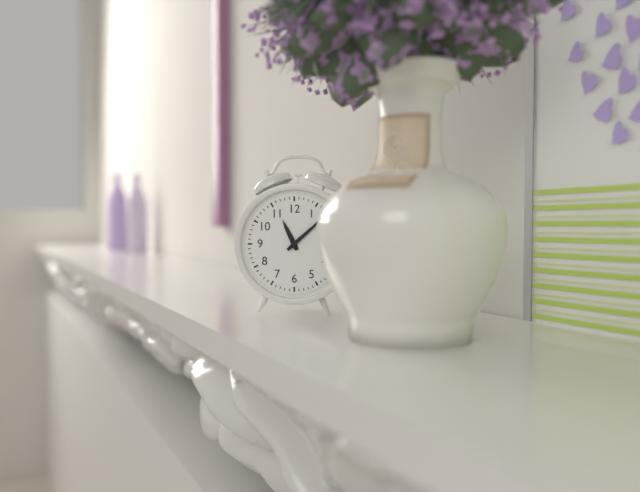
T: 11 h 08 min
